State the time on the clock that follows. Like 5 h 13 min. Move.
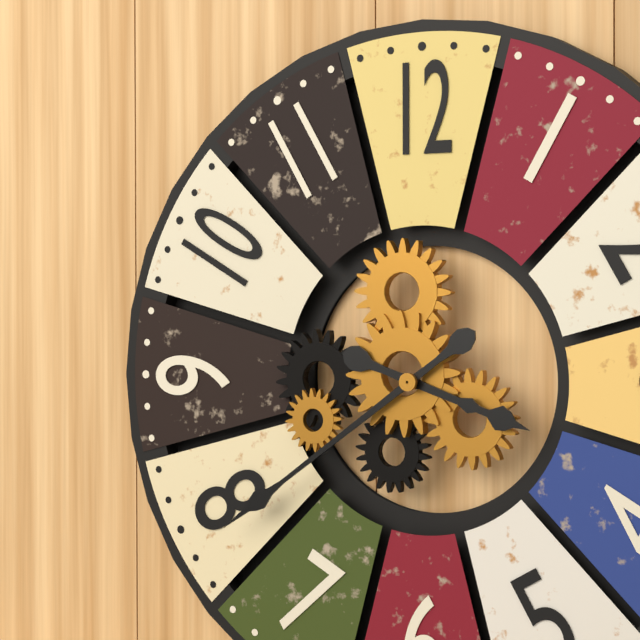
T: 3 h 39 min
